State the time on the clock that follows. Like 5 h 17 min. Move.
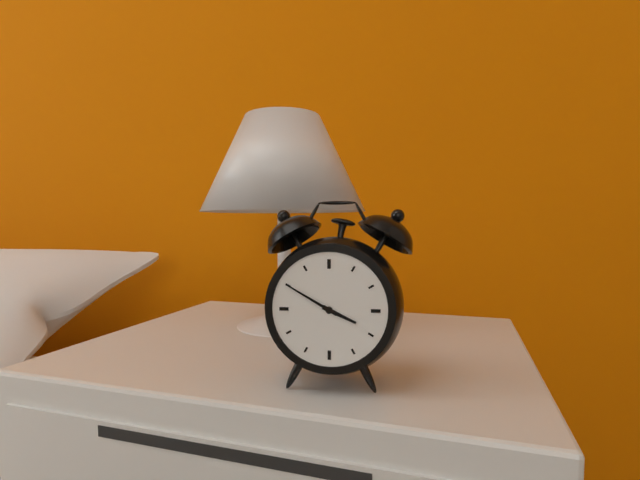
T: 3 h 50 min
